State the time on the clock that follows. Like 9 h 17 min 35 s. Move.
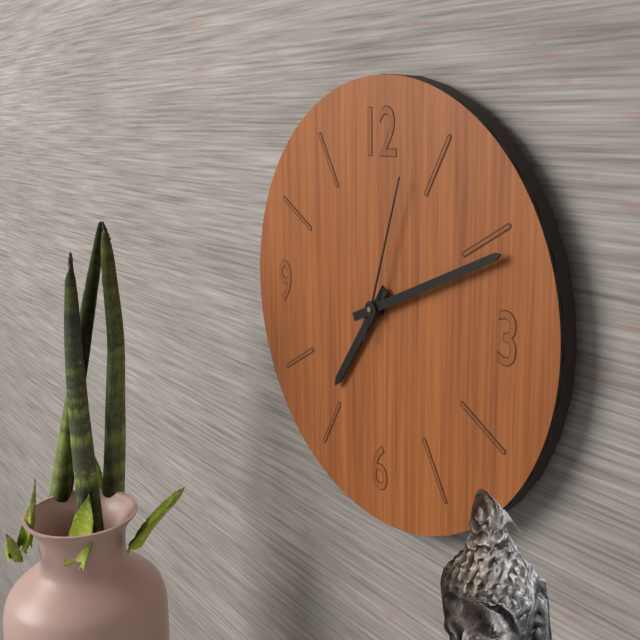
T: 7 h 11 min 03 s
